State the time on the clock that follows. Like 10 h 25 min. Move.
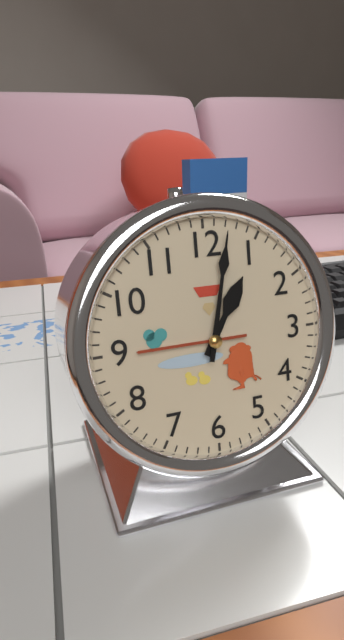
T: 1 h 02 min
